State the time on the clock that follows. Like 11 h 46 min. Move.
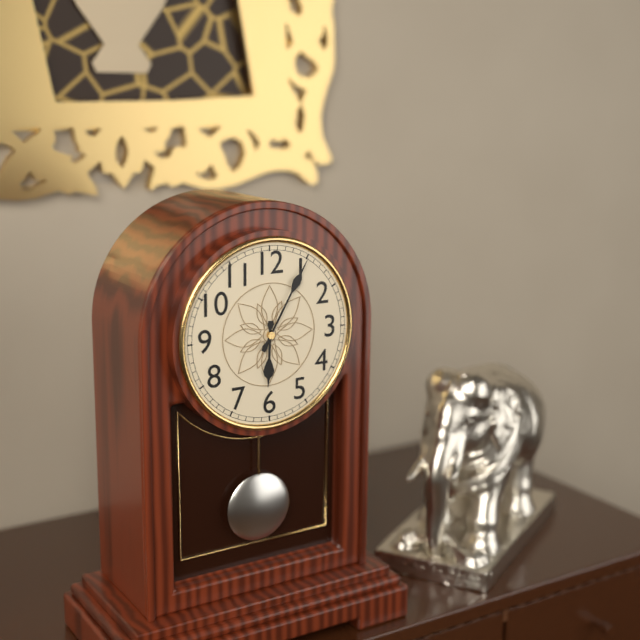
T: 6 h 05 min
